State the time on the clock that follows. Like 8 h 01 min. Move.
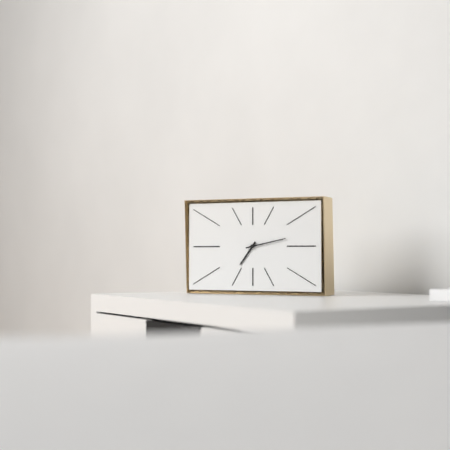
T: 7 h 13 min
